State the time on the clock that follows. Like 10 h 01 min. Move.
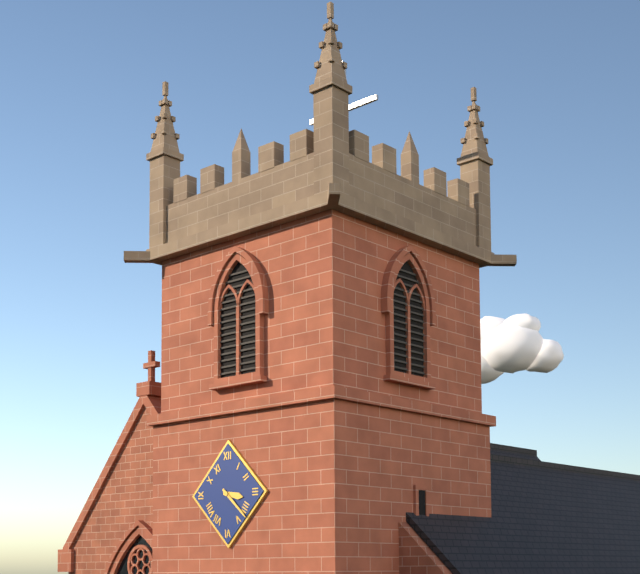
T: 3 h 22 min
